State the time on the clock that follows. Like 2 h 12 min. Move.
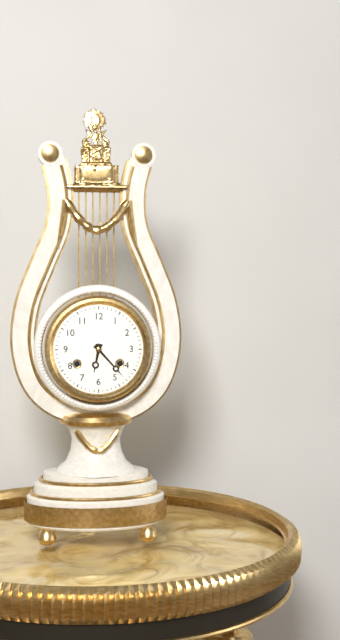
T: 6 h 23 min
